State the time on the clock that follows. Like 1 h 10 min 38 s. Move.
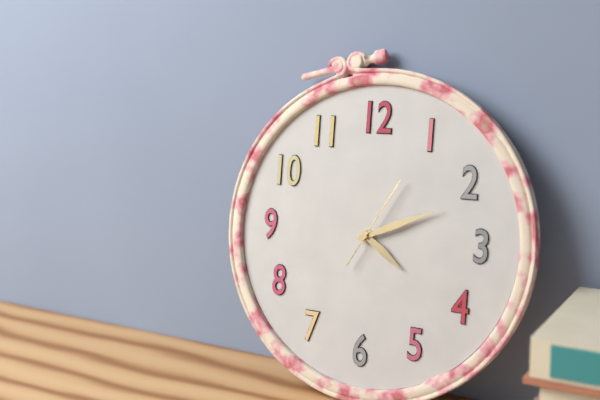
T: 4 h 11 min 05 s
